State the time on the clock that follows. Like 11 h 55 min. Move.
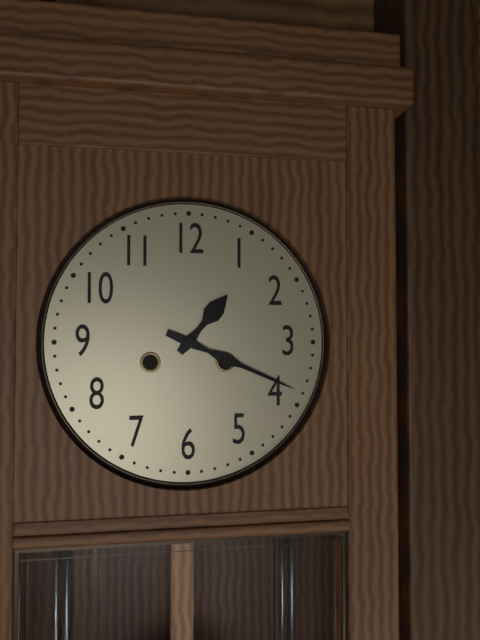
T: 1 h 19 min
